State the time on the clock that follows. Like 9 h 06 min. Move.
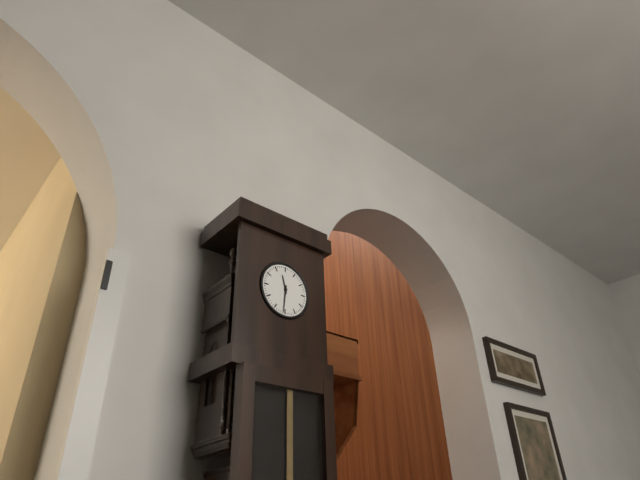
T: 11 h 31 min
